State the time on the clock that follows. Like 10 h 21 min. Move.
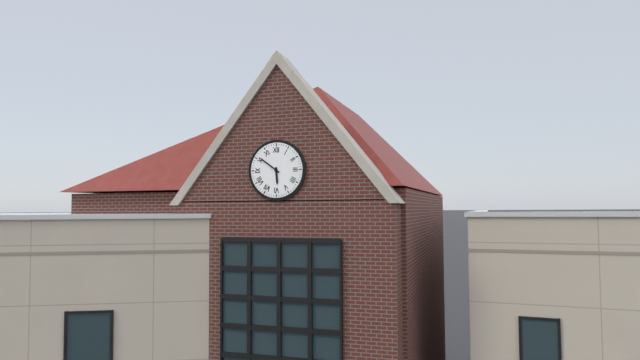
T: 5 h 51 min
